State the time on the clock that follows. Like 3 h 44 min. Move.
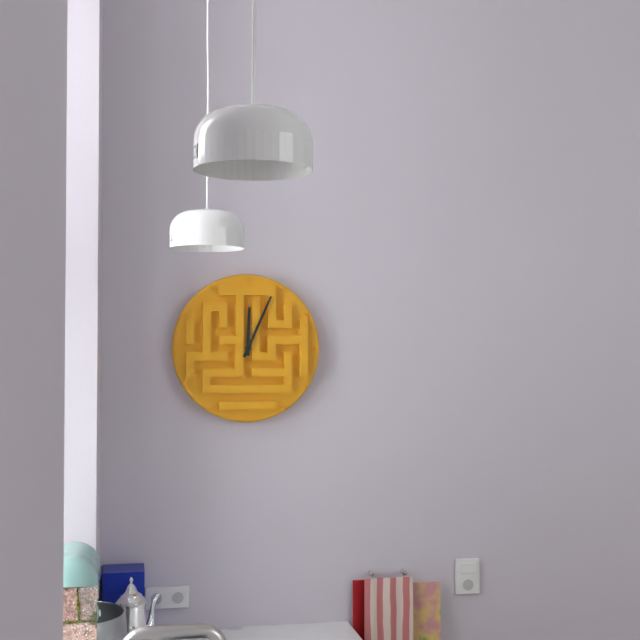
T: 12 h 04 min
